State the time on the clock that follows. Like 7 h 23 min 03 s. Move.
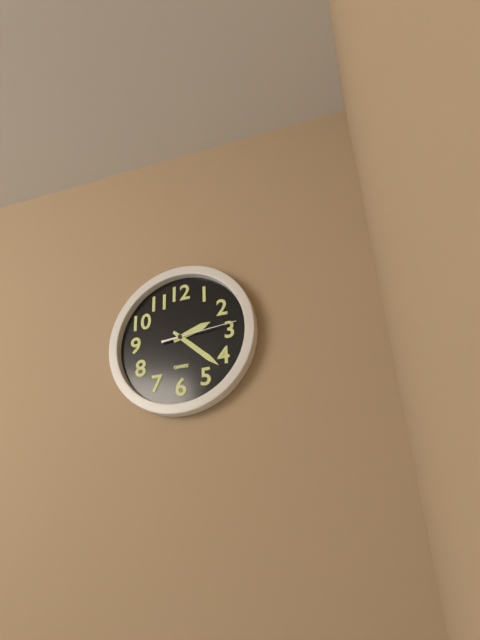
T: 2 h 22 min 14 s
